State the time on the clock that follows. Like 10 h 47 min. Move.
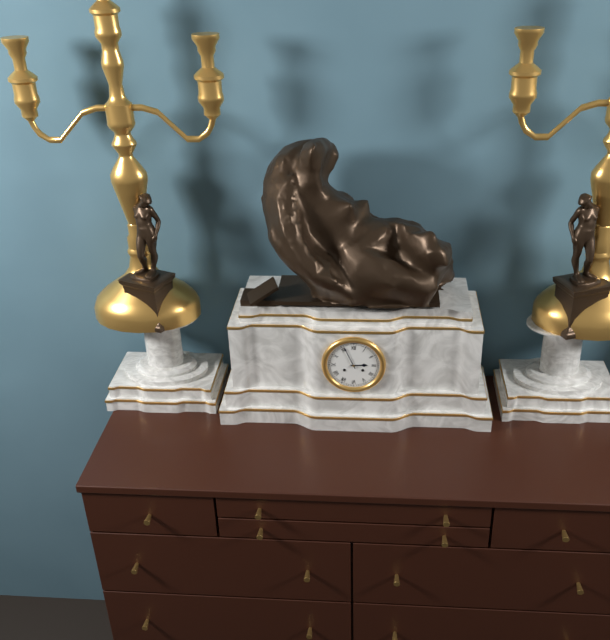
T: 2 h 56 min
